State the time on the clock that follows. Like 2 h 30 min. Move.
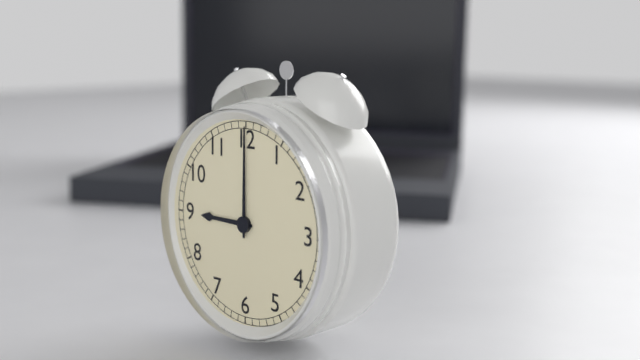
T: 9 h 00 min
